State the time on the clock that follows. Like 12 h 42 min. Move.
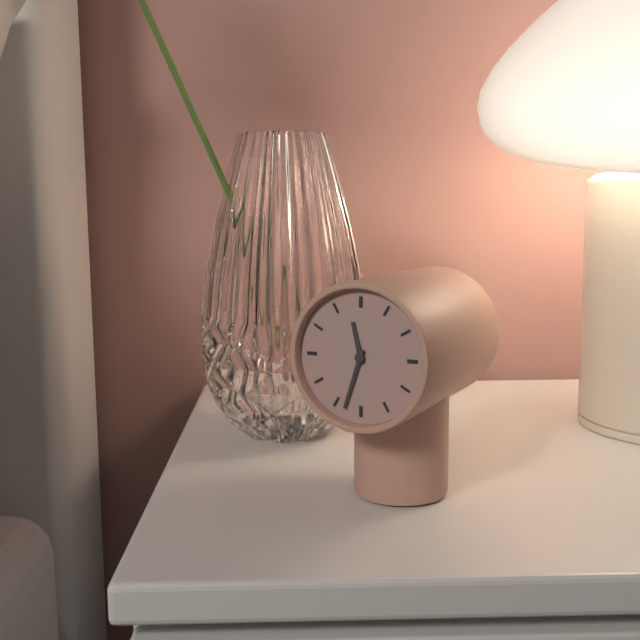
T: 11 h 33 min
